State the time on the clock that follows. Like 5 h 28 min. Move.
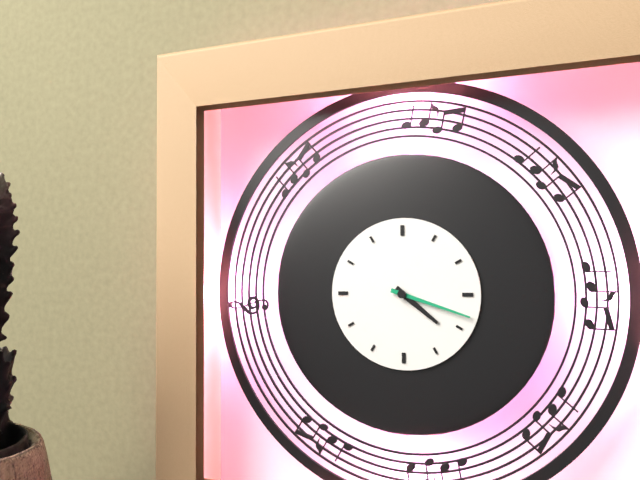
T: 4 h 18 min
